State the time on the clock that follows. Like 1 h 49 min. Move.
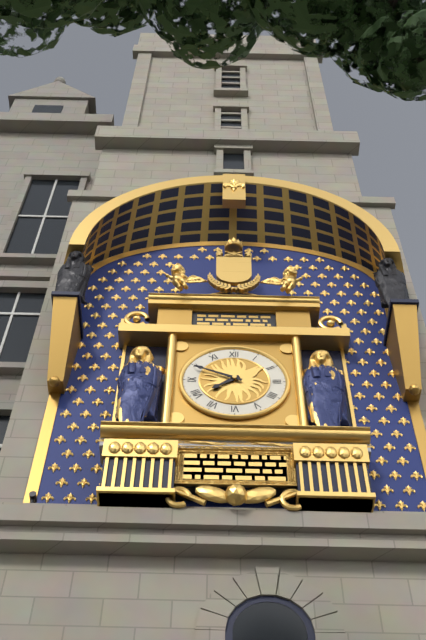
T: 7 h 49 min
